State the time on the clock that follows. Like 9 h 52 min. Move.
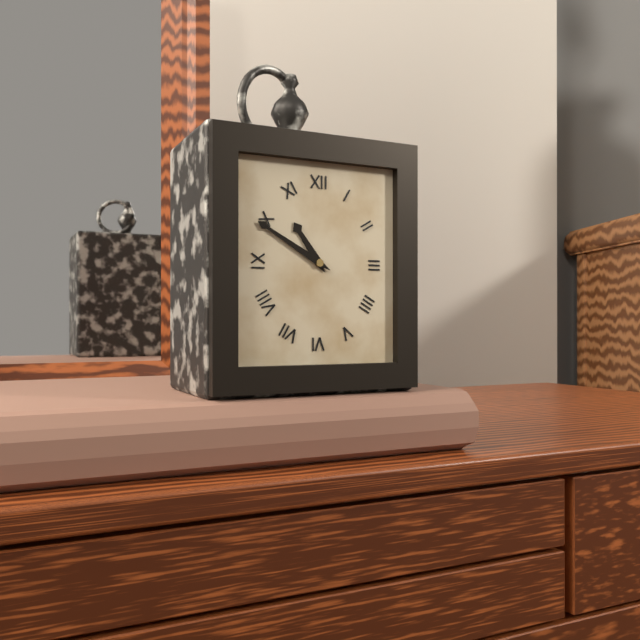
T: 10 h 50 min
